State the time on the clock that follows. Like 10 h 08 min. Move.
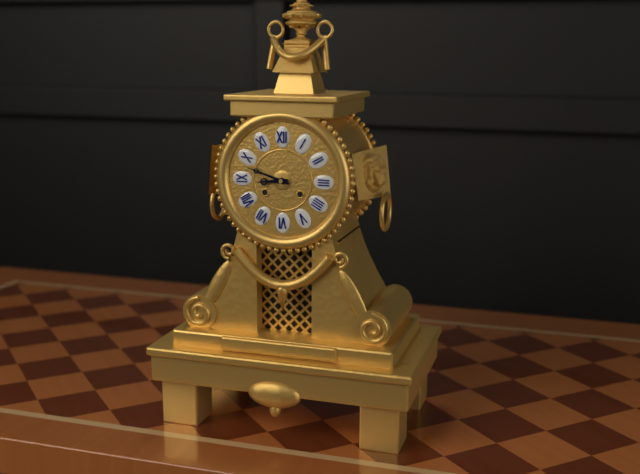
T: 8 h 48 min
